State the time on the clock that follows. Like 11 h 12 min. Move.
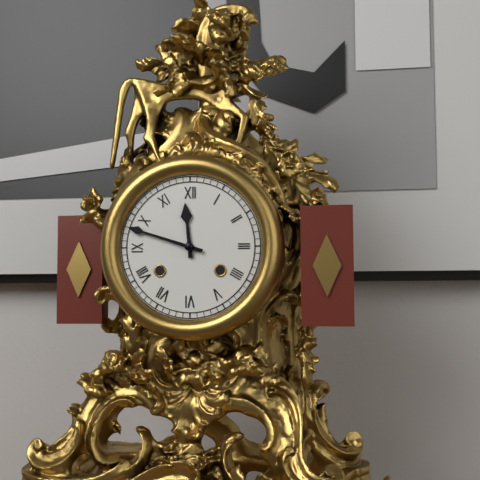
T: 11 h 48 min
